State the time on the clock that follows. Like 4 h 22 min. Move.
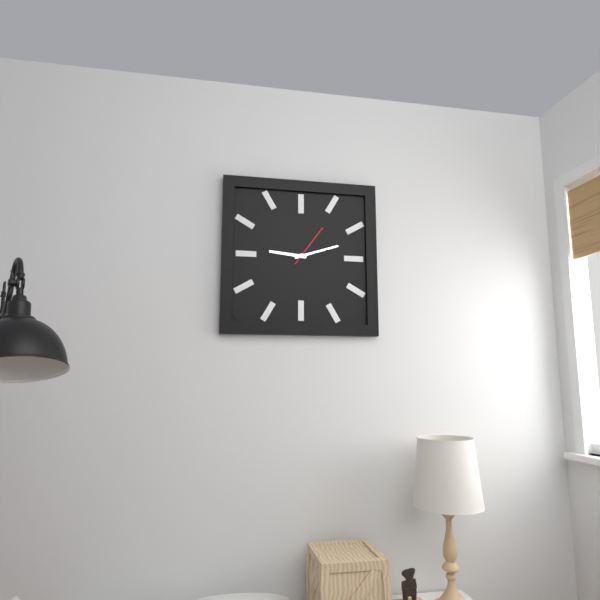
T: 9 h 12 min
